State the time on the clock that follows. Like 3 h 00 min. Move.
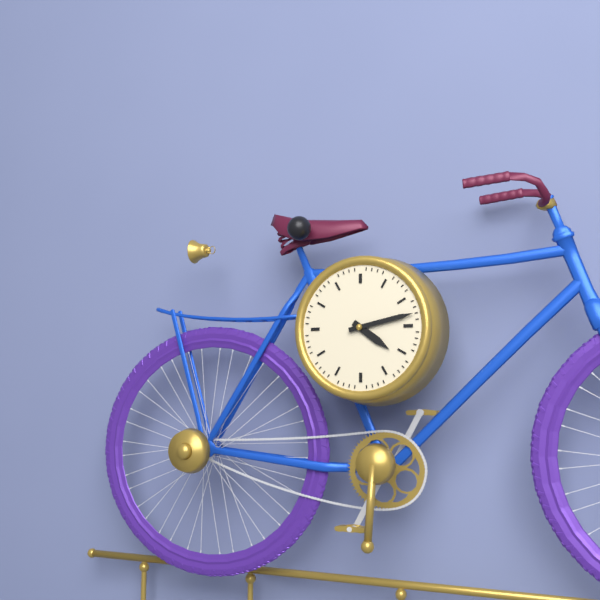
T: 4 h 13 min
